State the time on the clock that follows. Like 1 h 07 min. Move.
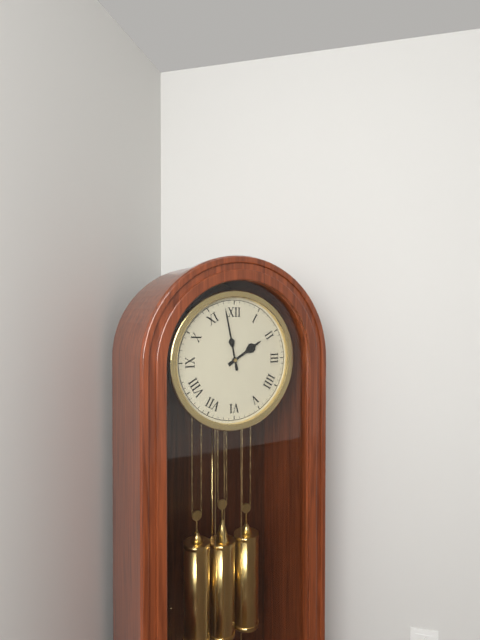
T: 1 h 58 min
